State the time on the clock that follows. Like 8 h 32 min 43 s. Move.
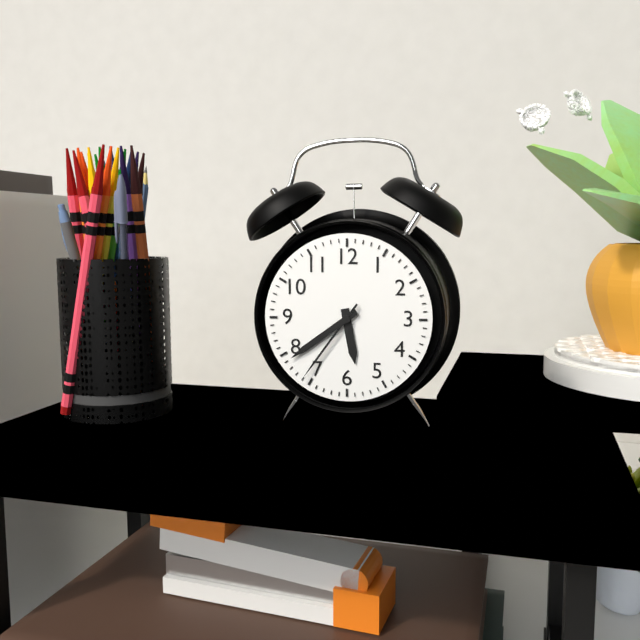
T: 5 h 39 min 36 s
